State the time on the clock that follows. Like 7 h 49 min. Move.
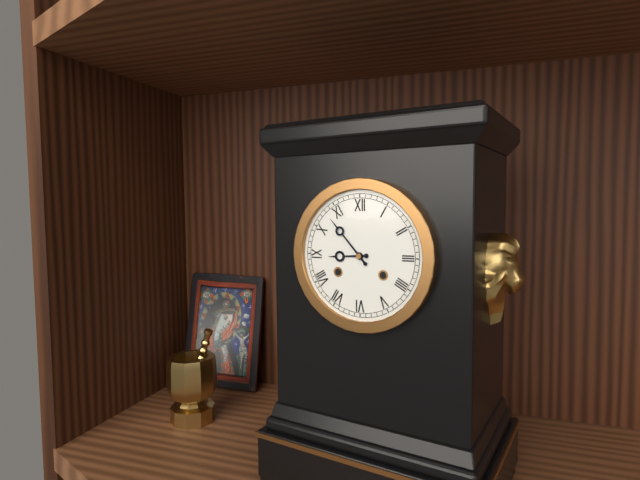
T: 8 h 53 min
